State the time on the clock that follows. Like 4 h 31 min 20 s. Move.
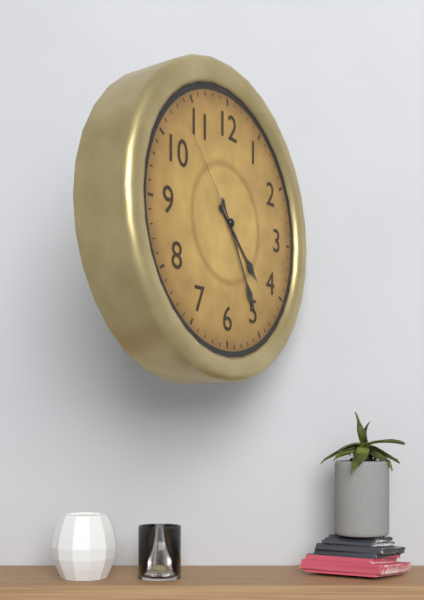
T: 4 h 25 min 53 s
